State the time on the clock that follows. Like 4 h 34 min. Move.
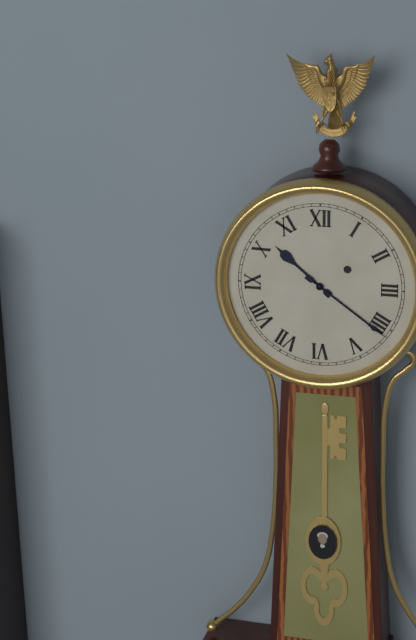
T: 10 h 21 min
